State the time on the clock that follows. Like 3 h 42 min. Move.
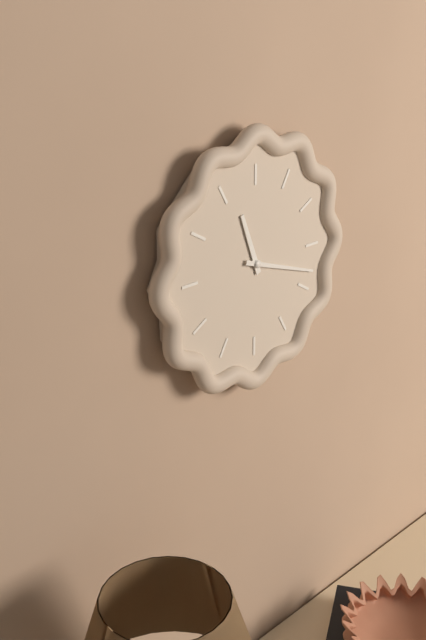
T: 11 h 18 min
